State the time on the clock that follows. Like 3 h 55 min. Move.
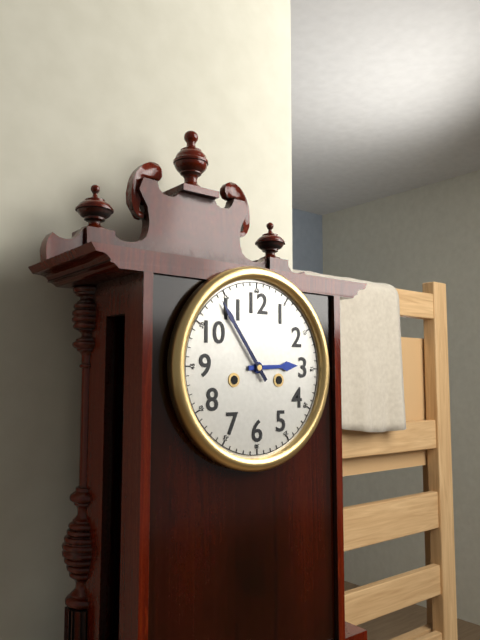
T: 2 h 54 min
